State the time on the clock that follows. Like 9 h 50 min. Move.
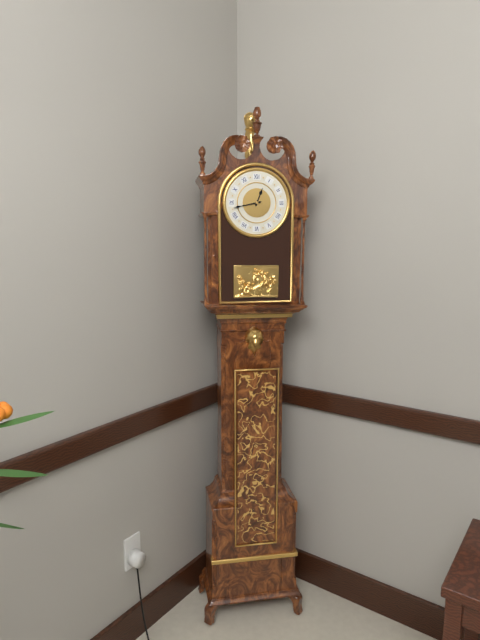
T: 12 h 43 min
